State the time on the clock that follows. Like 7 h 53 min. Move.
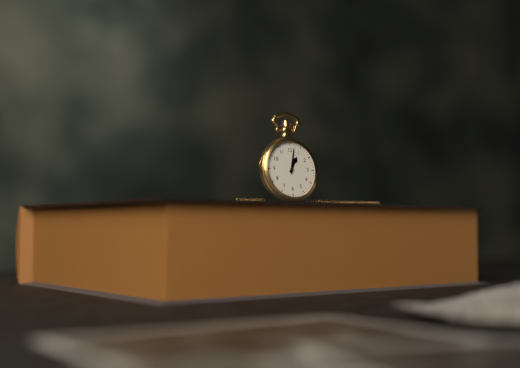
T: 1 h 02 min
